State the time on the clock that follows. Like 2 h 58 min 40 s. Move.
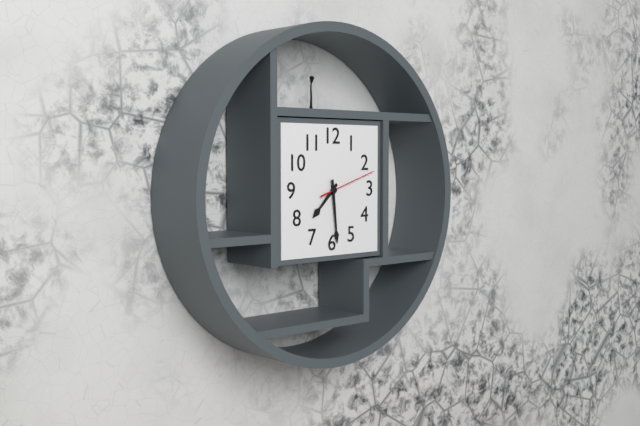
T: 7 h 29 min 12 s
